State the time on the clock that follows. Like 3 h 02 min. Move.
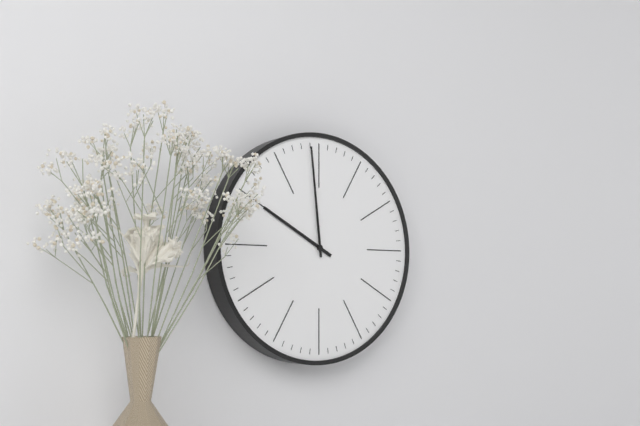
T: 9 h 59 min
